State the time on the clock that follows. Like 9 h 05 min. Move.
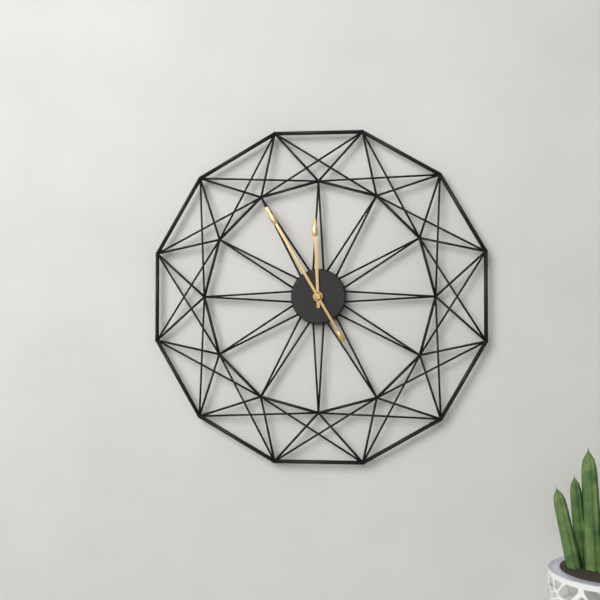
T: 11 h 55 min
